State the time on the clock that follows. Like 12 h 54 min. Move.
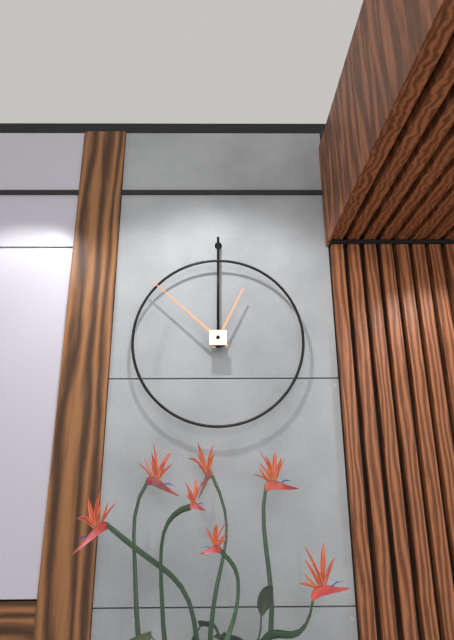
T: 12 h 52 min
